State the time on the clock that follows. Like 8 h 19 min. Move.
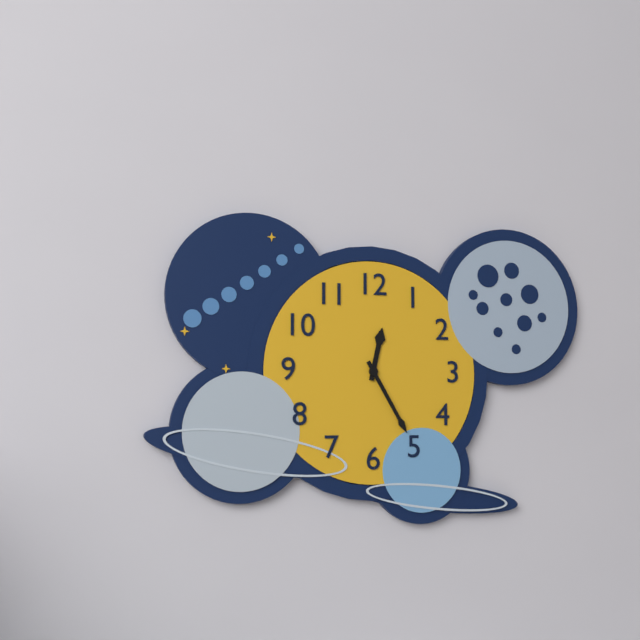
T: 12 h 25 min
